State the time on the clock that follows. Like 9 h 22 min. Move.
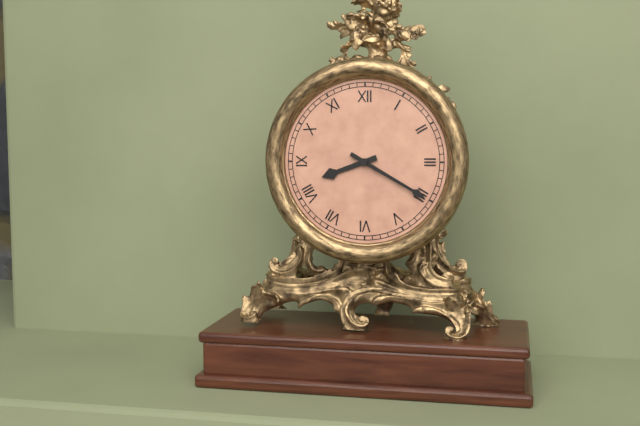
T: 8 h 20 min
